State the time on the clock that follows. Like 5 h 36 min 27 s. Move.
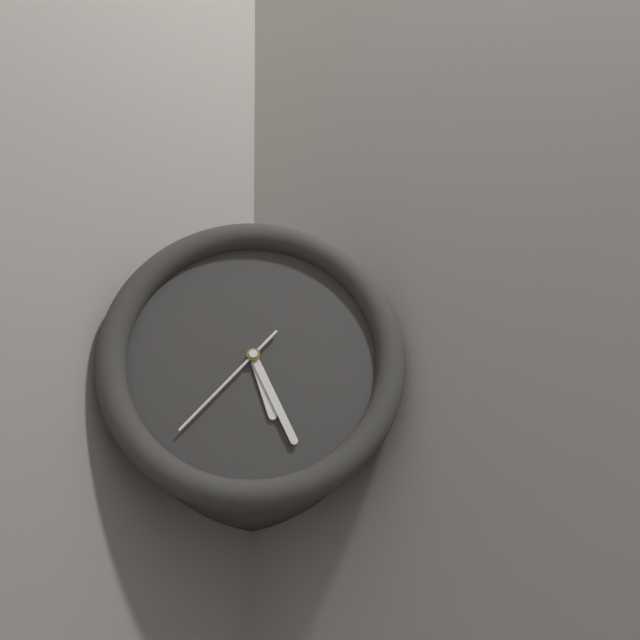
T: 5 h 26 min 37 s
